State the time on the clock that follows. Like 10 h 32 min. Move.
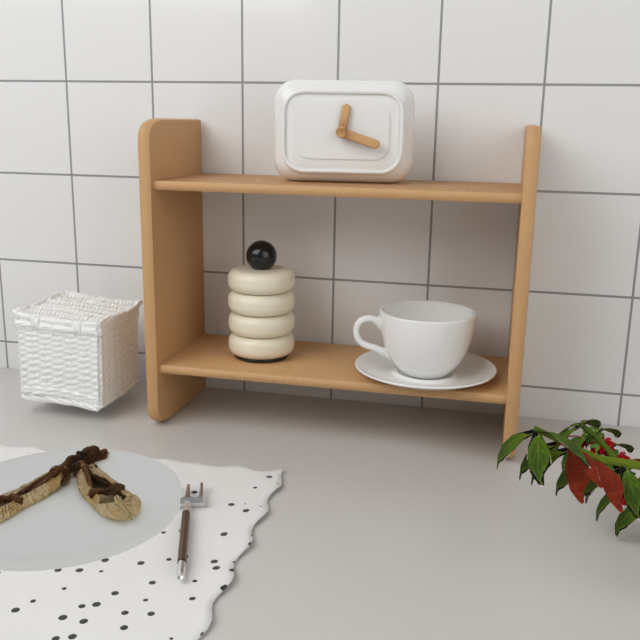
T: 12 h 18 min
